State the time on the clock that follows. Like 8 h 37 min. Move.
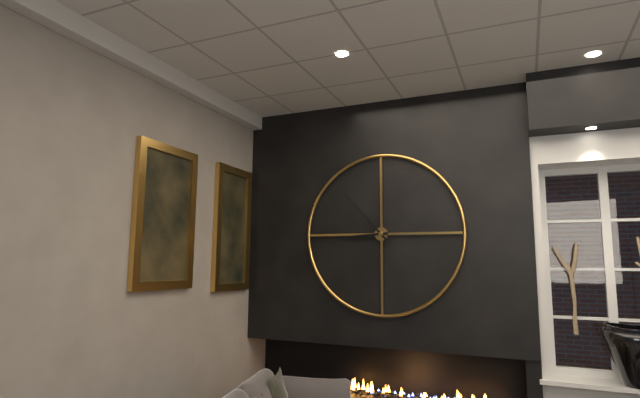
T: 8 h 53 min
